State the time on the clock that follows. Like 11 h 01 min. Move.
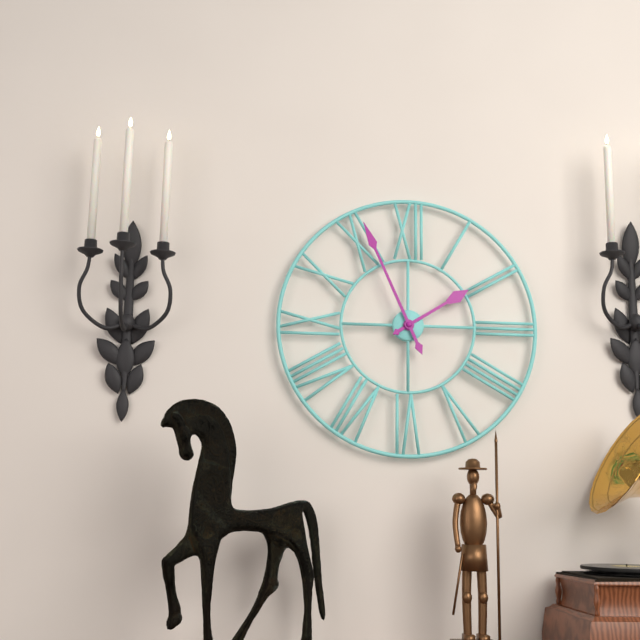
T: 1 h 56 min
